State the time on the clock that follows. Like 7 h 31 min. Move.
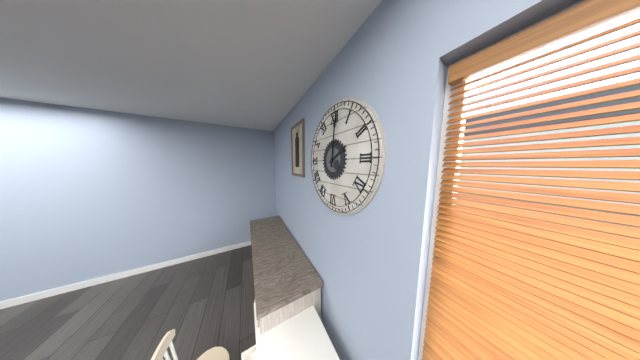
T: 2 h 01 min
